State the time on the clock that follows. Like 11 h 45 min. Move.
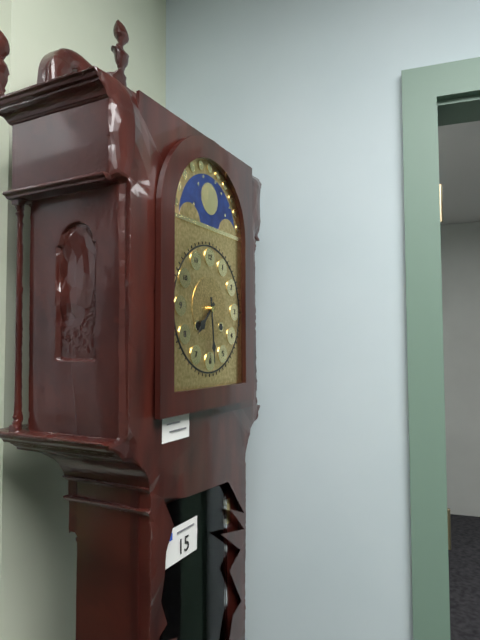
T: 7 h 29 min
